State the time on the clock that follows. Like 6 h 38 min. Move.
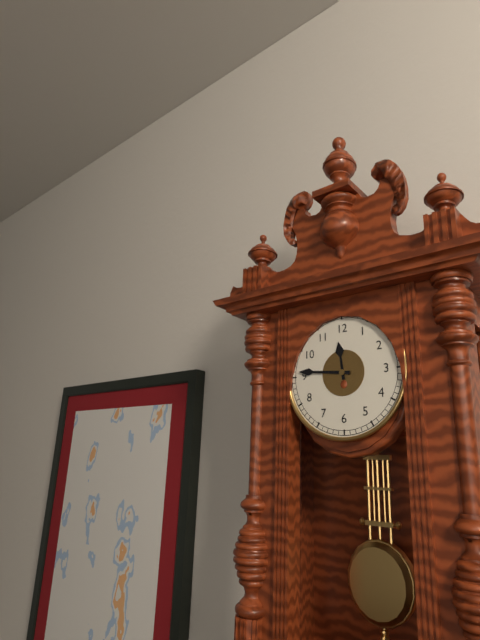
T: 11 h 46 min
